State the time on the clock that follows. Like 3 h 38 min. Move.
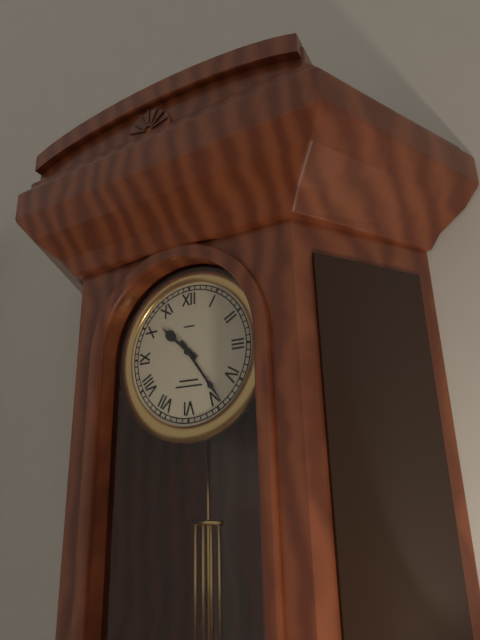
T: 10 h 24 min
